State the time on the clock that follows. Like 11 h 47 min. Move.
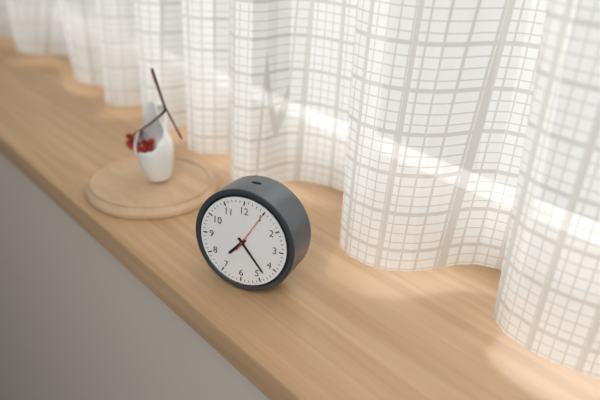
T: 7 h 23 min
